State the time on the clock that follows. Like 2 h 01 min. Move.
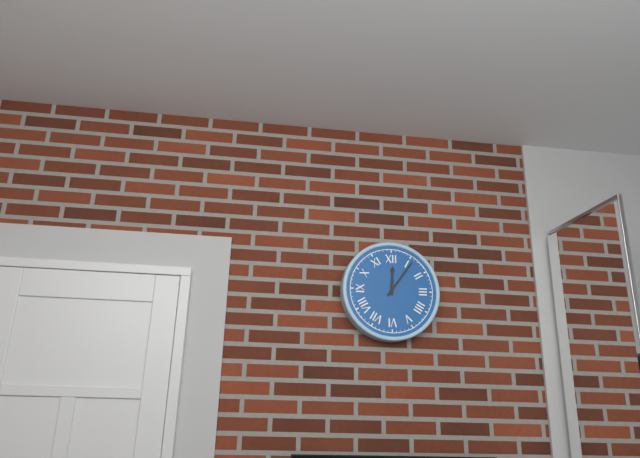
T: 12 h 06 min
